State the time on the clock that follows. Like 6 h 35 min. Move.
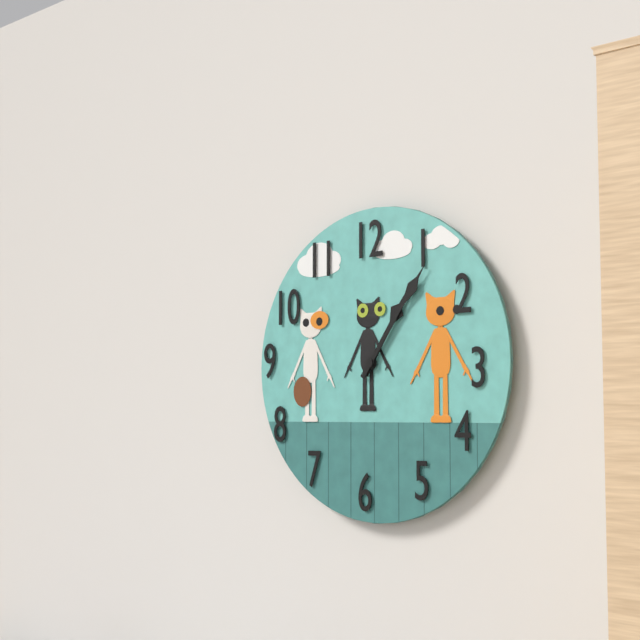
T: 1 h 06 min
